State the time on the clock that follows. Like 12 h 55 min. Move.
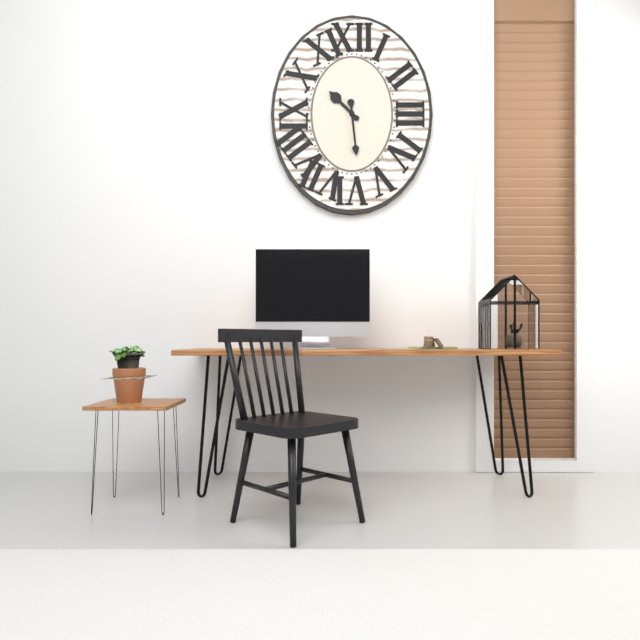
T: 10 h 29 min
